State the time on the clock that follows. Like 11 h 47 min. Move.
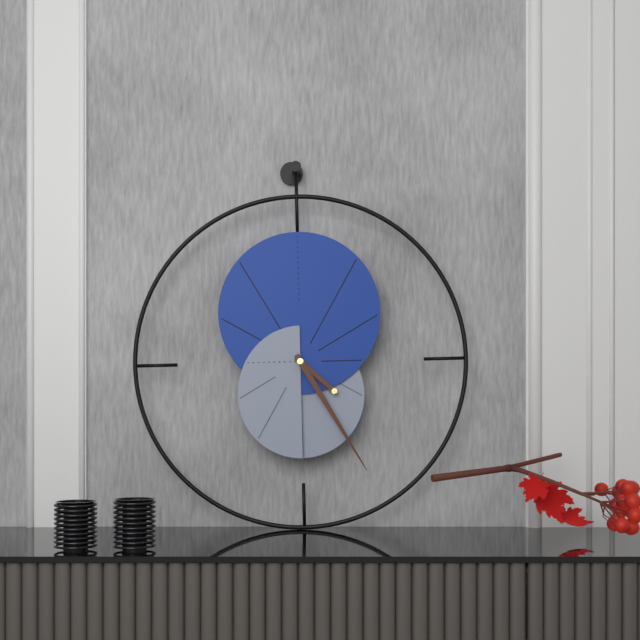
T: 4 h 25 min
